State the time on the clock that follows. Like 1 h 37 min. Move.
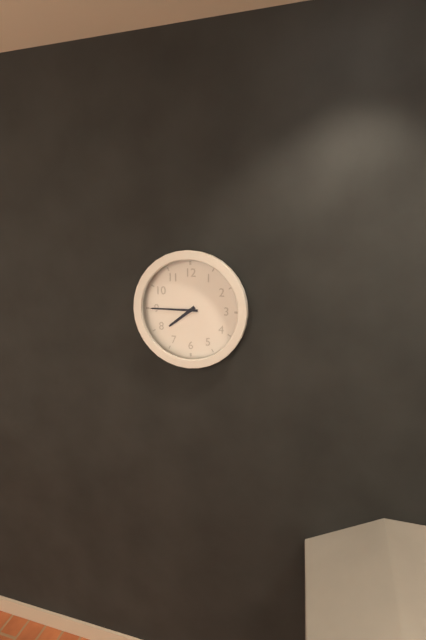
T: 7 h 45 min
